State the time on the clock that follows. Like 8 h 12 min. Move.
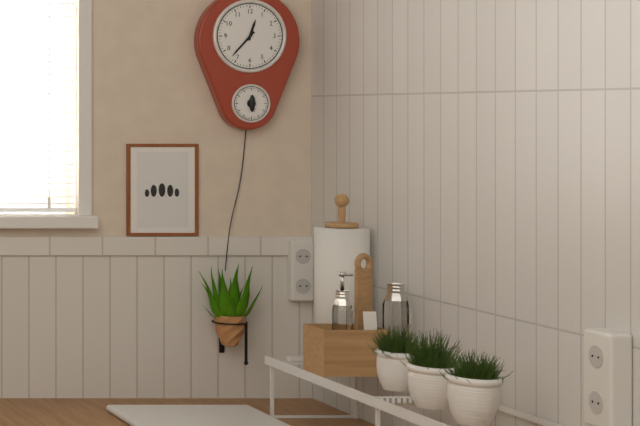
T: 12 h 37 min
